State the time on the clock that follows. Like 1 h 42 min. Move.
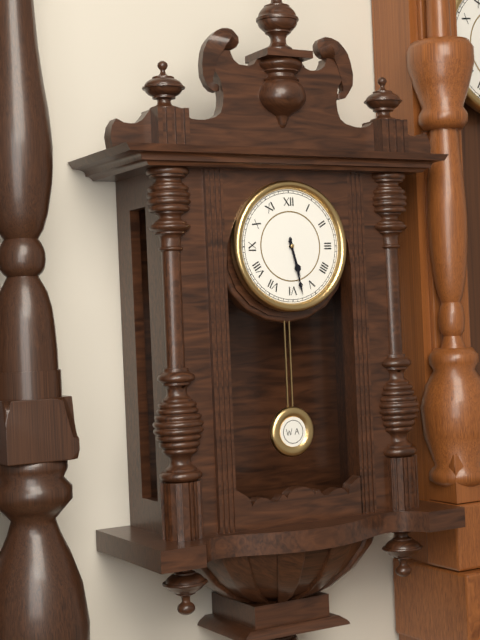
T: 5 h 28 min
